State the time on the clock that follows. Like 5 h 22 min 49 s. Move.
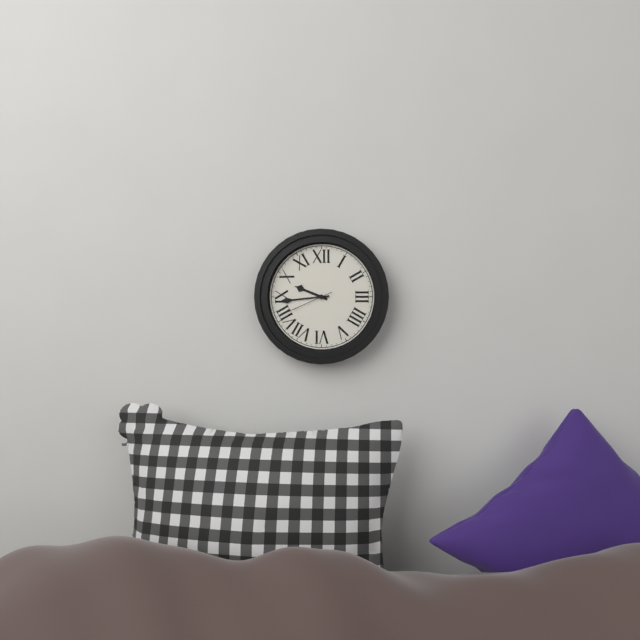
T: 9 h 44 min 41 s
